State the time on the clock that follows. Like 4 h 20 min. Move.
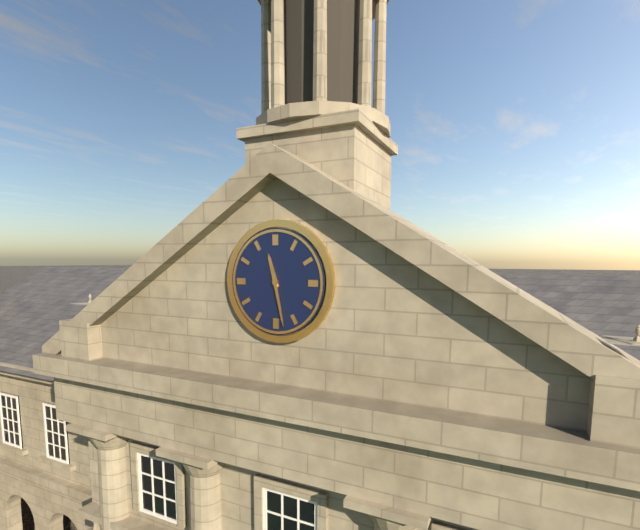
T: 11 h 28 min
